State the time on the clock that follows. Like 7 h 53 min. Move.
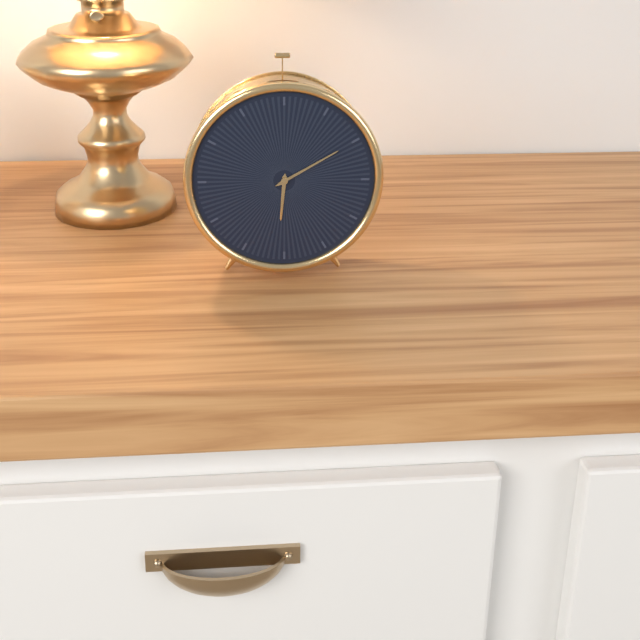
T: 6 h 10 min
